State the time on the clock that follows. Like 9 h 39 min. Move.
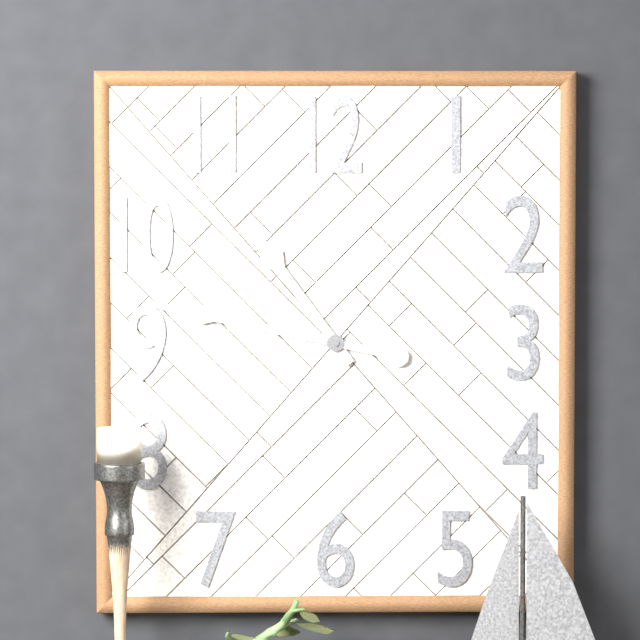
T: 10 h 47 min
